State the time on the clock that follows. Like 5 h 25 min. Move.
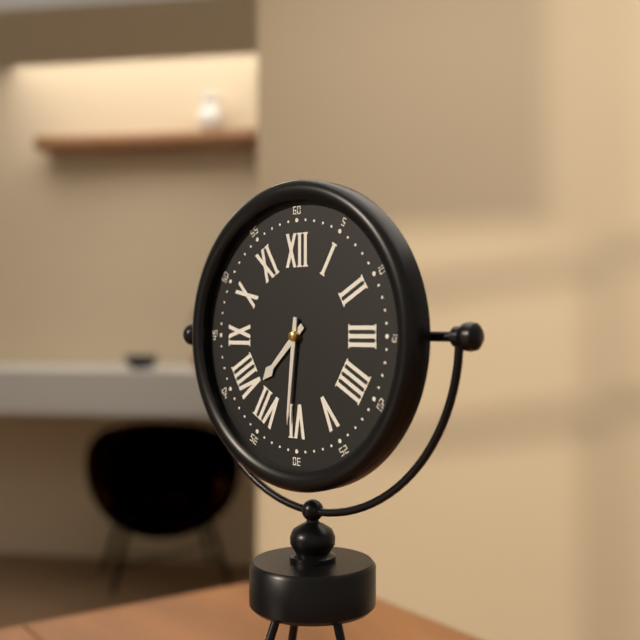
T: 7 h 31 min
